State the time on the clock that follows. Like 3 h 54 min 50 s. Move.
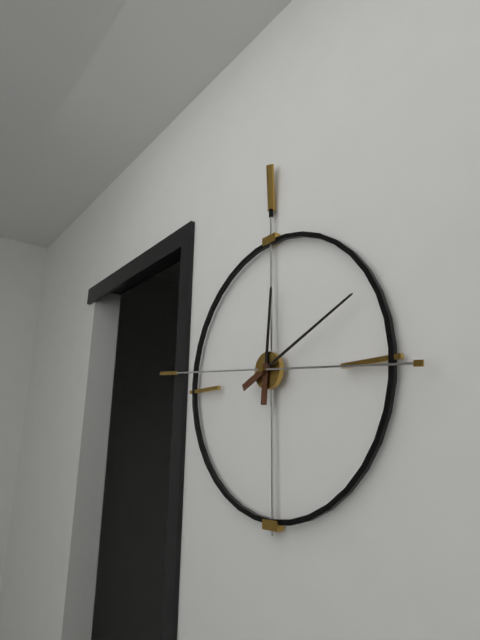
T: 12 h 11 min 46 s
